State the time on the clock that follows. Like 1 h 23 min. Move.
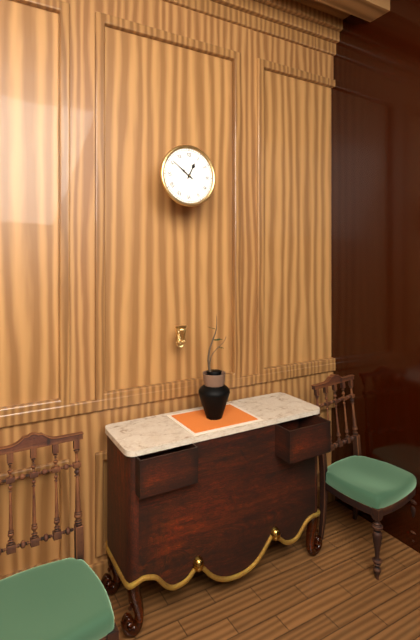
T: 12 h 51 min
